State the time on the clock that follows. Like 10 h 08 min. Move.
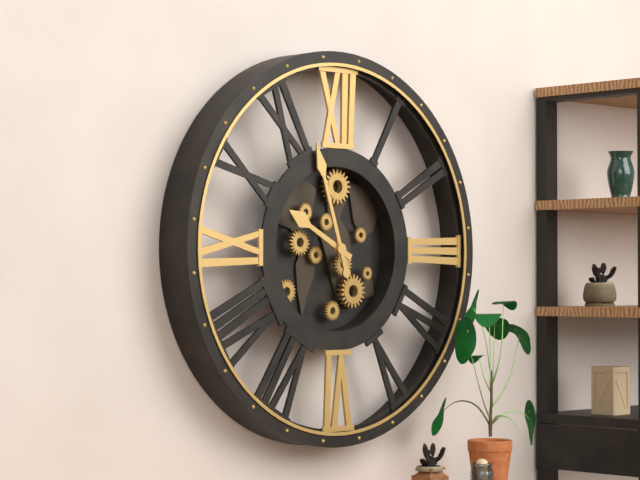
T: 9 h 57 min
